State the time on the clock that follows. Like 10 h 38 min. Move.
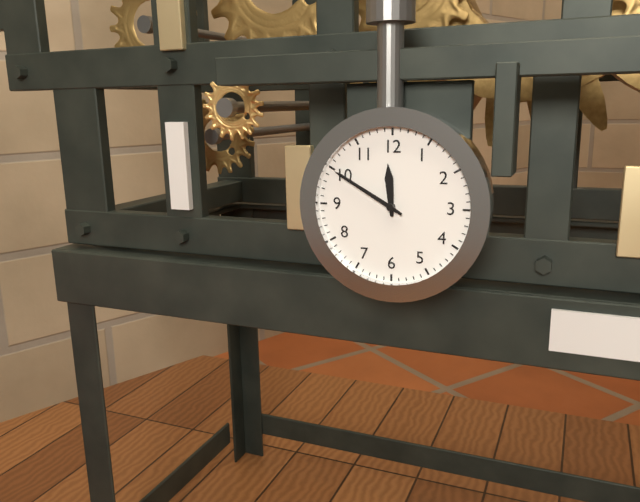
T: 11 h 50 min
